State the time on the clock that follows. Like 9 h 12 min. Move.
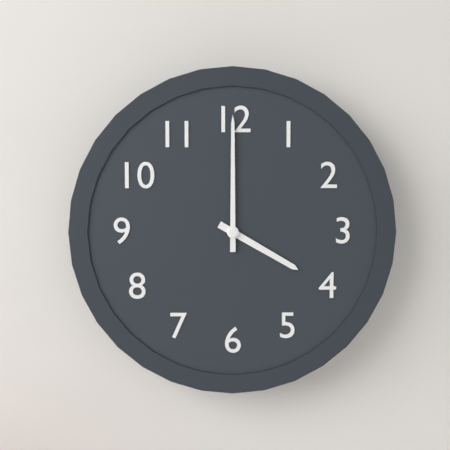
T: 4 h 00 min
